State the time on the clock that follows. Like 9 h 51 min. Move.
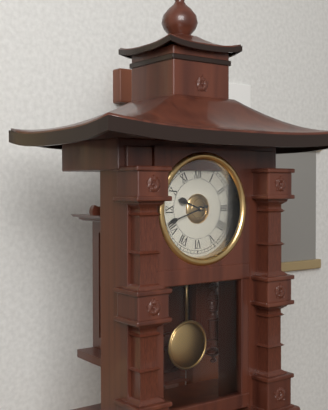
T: 9 h 42 min
